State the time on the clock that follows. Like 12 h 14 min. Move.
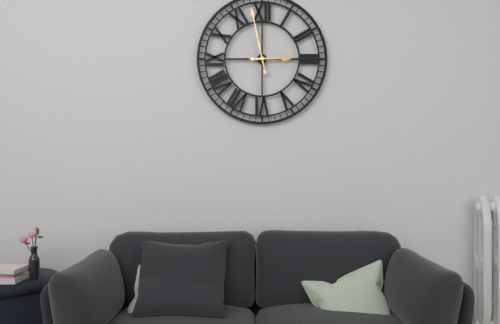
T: 2 h 58 min
